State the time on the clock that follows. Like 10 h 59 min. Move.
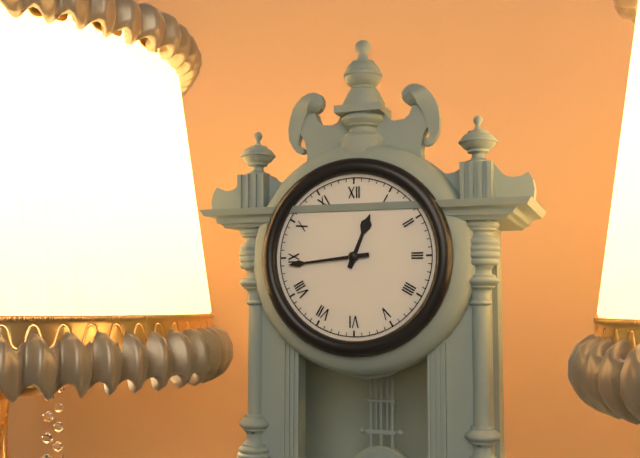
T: 12 h 44 min
